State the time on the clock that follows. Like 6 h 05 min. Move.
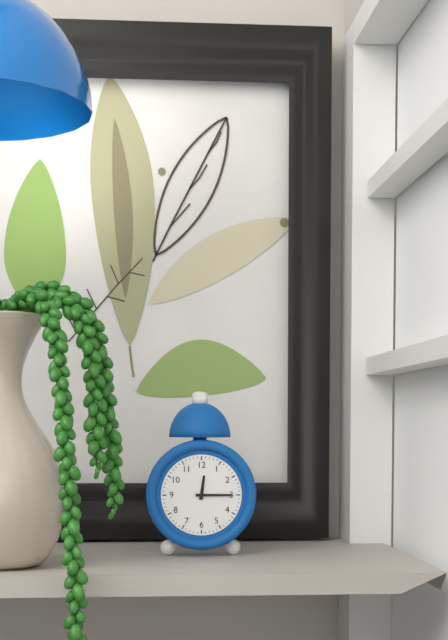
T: 12 h 15 min
